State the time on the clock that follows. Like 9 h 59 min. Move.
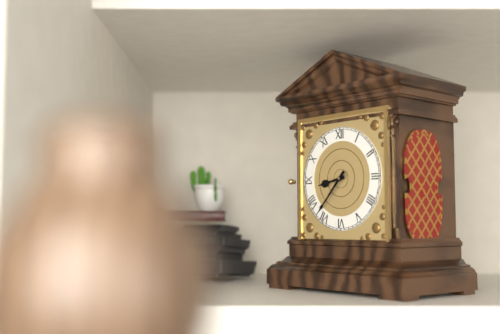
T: 8 h 37 min
